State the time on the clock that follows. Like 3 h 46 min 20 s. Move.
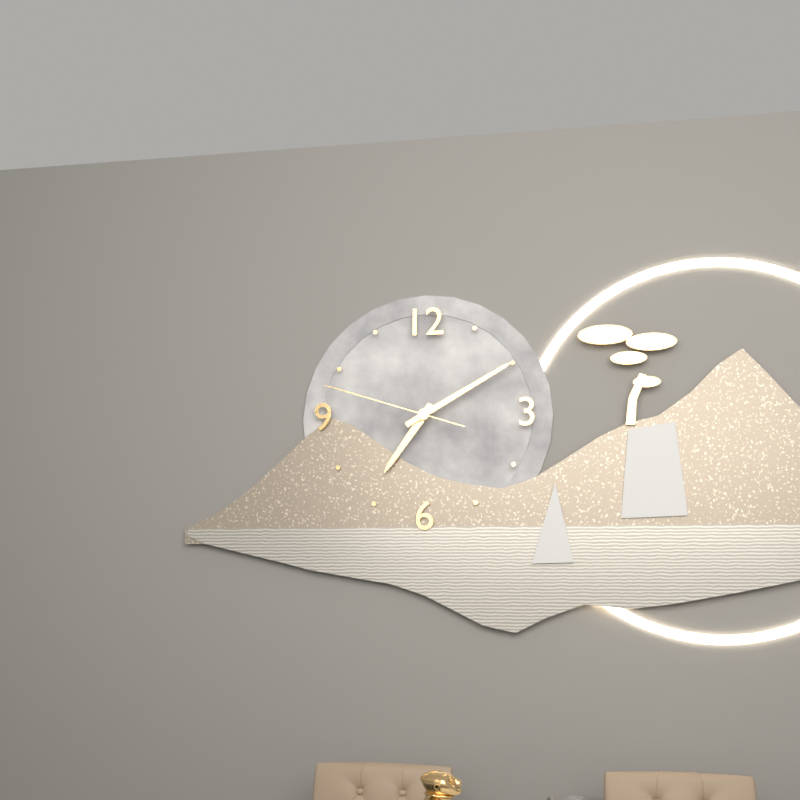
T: 7 h 10 min 48 s
